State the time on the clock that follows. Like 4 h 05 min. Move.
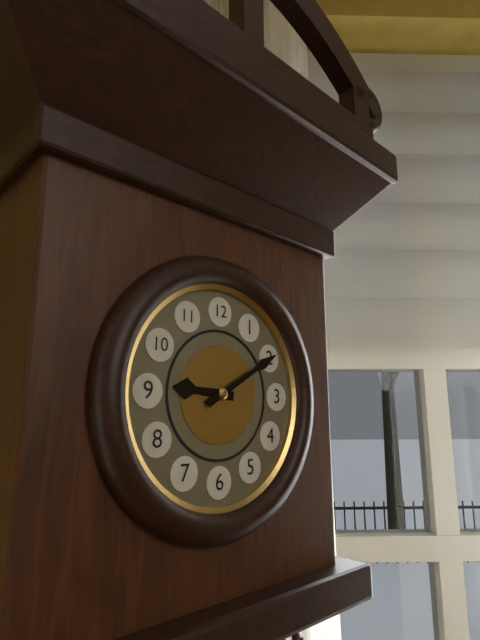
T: 9 h 10 min
